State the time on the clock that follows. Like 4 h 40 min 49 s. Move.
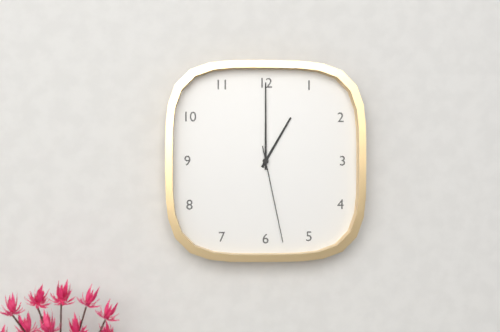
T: 1 h 00 min 28 s
